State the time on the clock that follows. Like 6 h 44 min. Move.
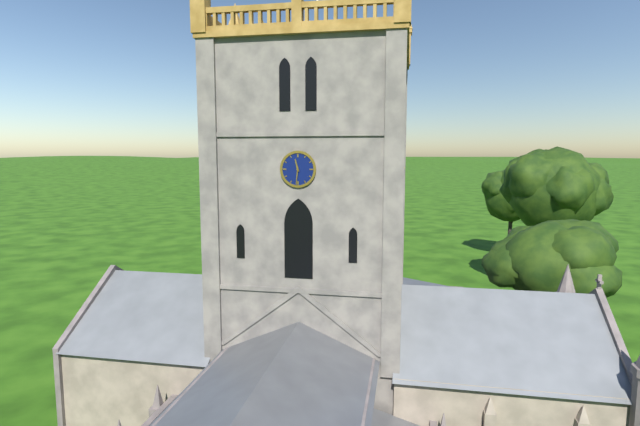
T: 11 h 31 min
